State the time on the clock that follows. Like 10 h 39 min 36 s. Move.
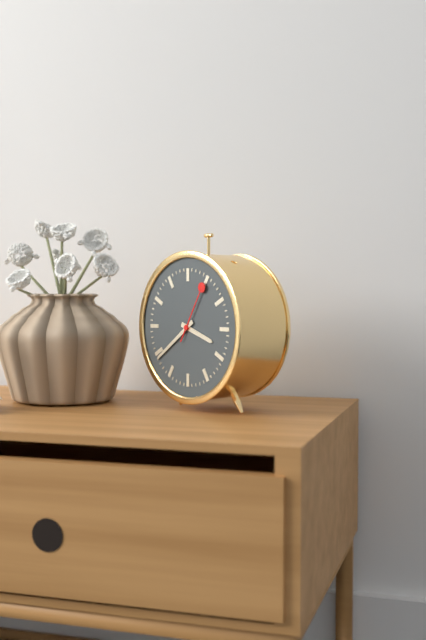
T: 3 h 39 min 05 s
